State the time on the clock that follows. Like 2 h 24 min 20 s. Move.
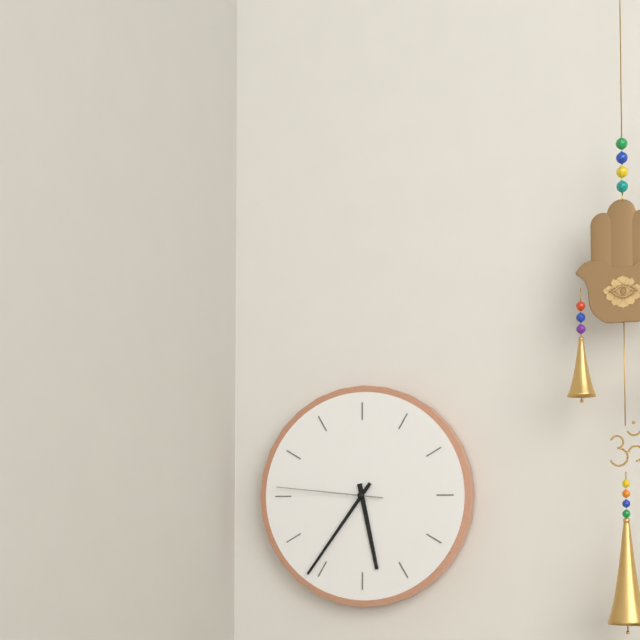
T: 5 h 36 min 46 s
